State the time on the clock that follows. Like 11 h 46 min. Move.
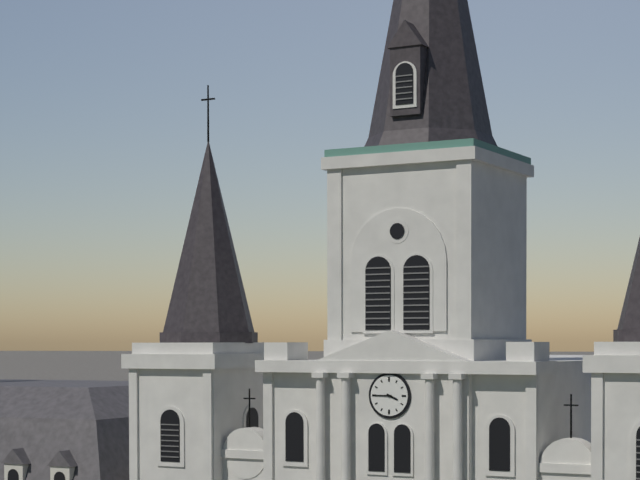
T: 3 h 45 min
